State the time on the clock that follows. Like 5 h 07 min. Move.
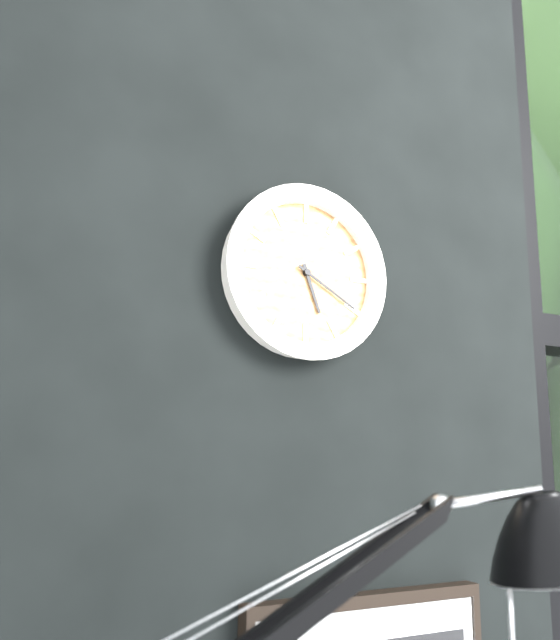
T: 5 h 20 min
